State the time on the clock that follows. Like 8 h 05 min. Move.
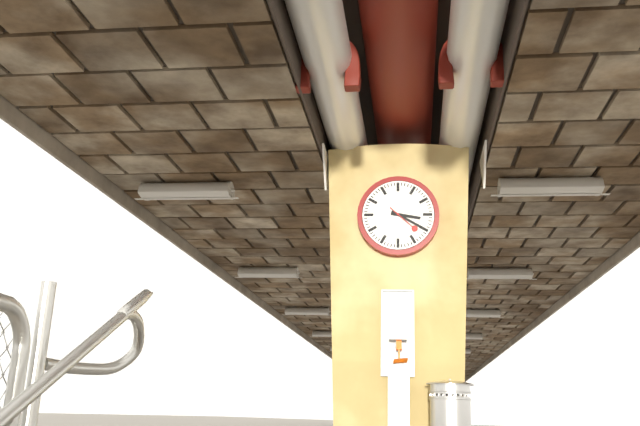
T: 3 h 20 min
